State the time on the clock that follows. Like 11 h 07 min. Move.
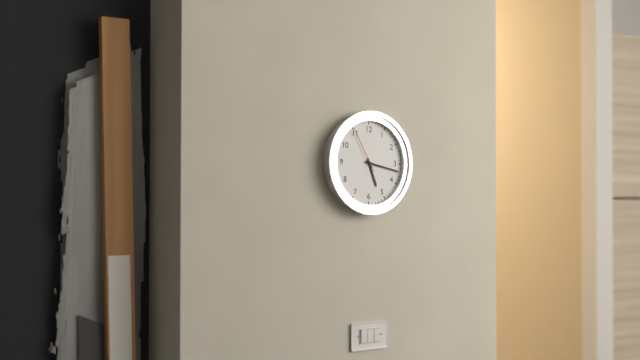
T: 5 h 17 min
